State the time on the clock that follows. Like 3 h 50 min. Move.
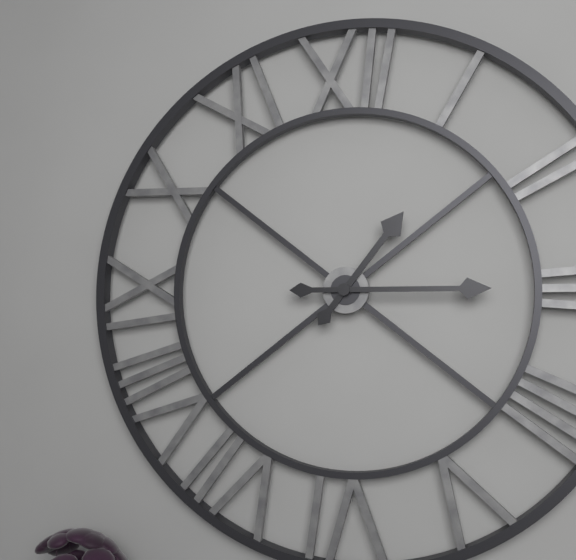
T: 1 h 15 min
